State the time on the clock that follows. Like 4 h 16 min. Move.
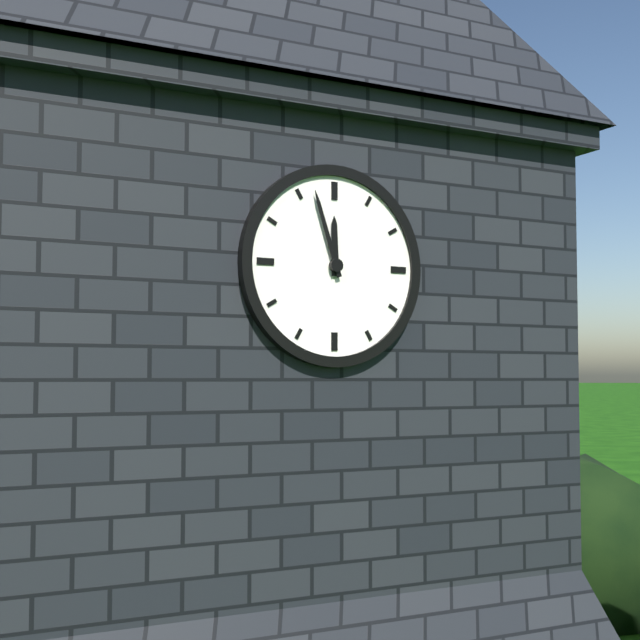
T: 11 h 57 min
